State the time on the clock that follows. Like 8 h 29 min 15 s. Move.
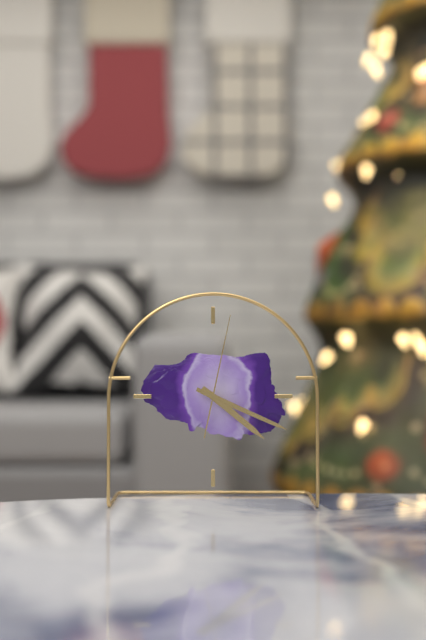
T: 4 h 19 min 02 s
